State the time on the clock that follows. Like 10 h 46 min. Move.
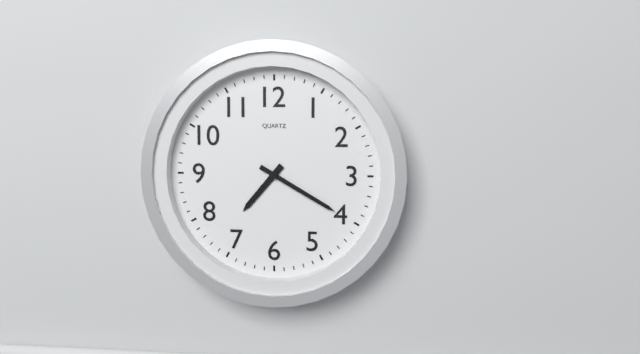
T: 7 h 20 min
